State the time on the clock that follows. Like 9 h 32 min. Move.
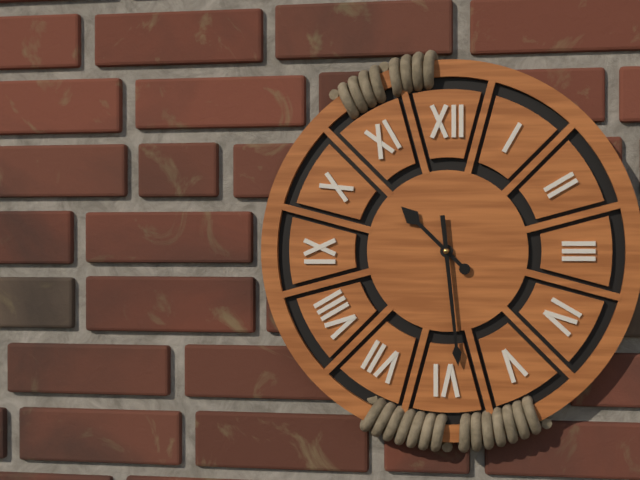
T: 10 h 29 min
